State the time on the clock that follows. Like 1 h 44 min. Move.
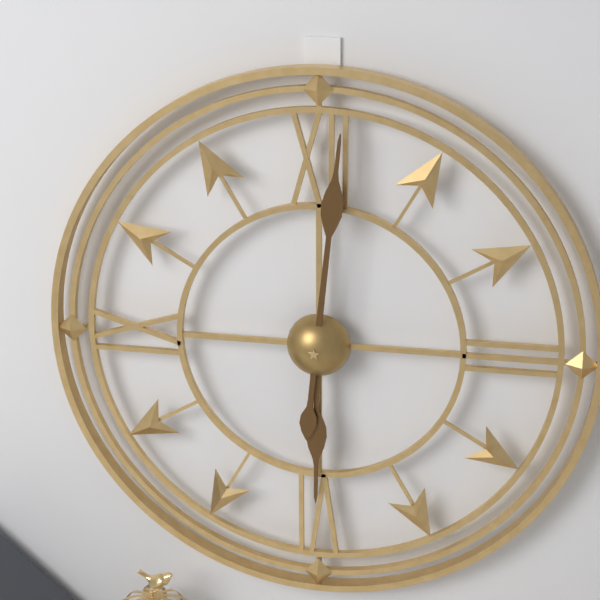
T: 6 h 01 min
